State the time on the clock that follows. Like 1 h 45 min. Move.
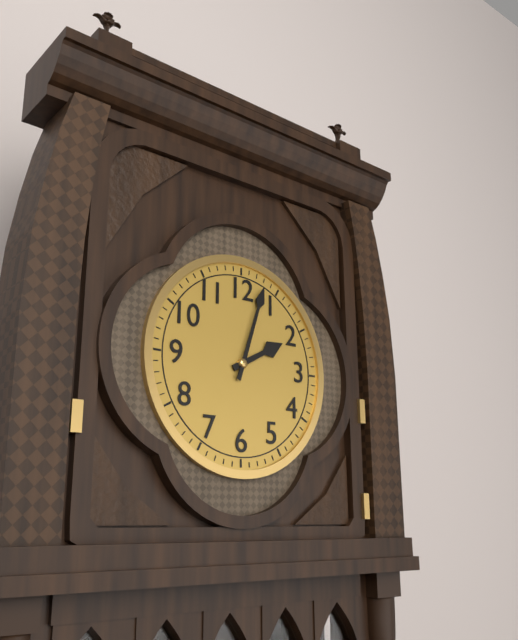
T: 2 h 03 min
